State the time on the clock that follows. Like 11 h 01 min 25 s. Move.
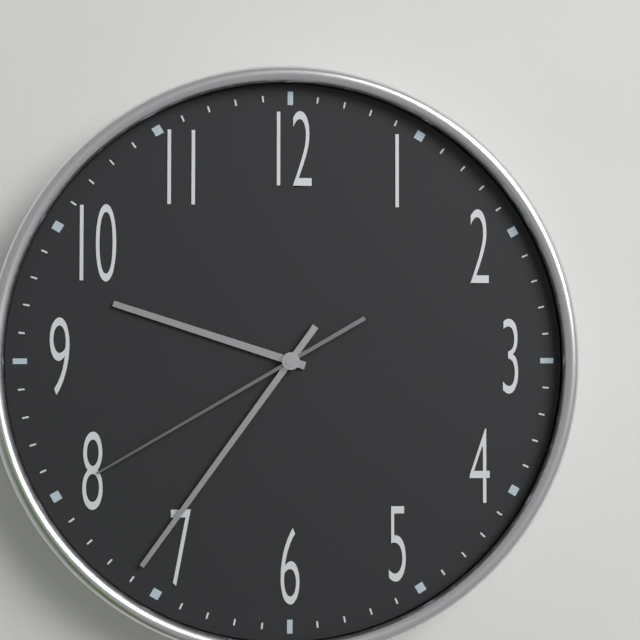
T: 9 h 36 min 40 s
